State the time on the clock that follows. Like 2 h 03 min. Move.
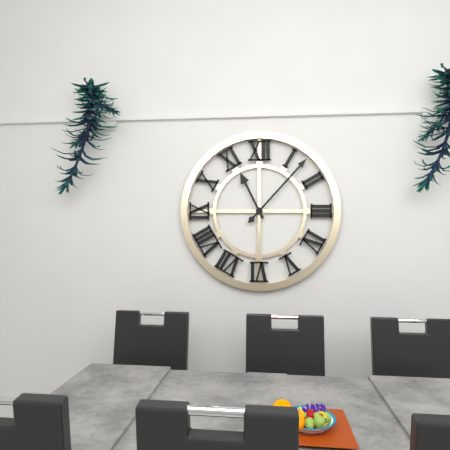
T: 11 h 07 min
